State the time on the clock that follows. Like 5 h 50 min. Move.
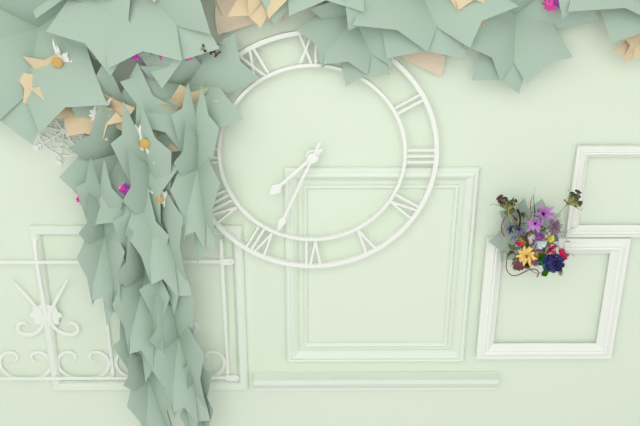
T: 7 h 34 min
